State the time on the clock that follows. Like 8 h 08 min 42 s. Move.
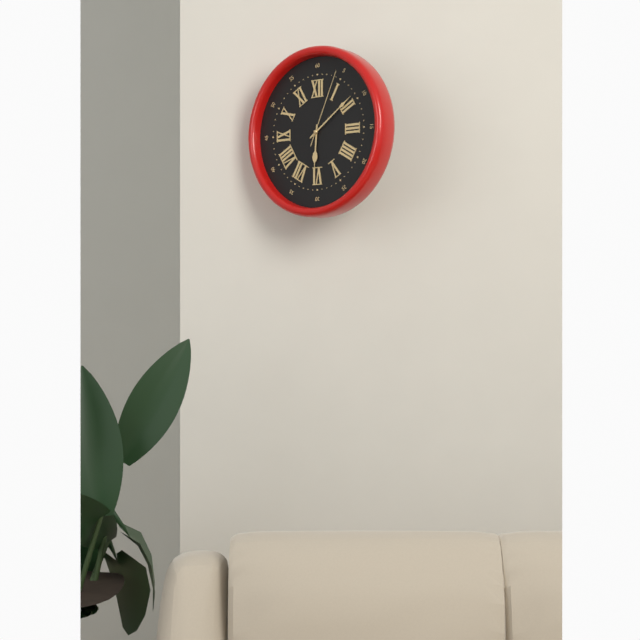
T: 6 h 09 min 04 s
